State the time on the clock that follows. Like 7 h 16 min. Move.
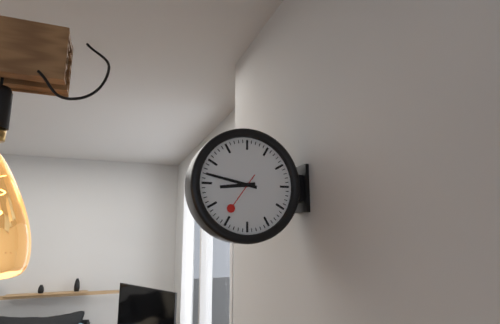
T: 8 h 47 min
